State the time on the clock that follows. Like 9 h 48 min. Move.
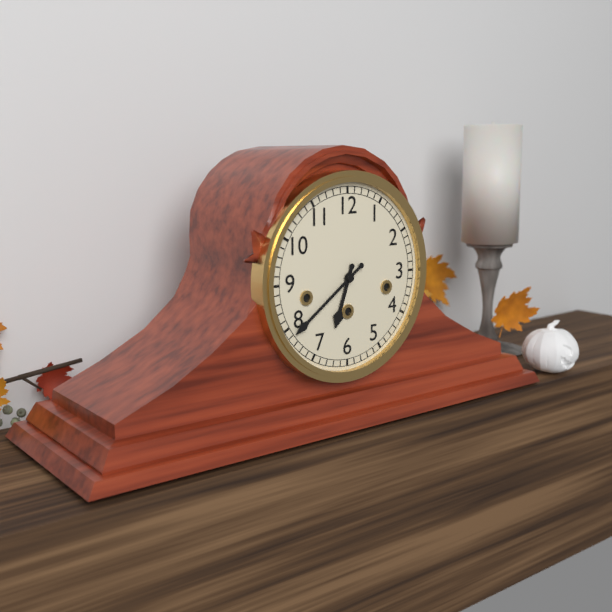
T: 6 h 39 min
